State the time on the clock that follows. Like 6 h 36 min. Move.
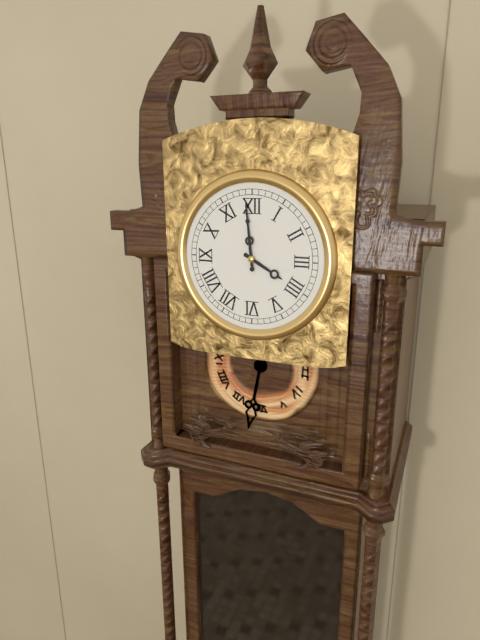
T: 3 h 59 min
